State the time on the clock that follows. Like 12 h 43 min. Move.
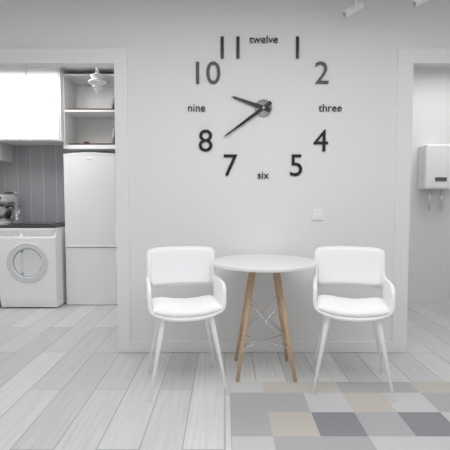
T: 9 h 39 min
